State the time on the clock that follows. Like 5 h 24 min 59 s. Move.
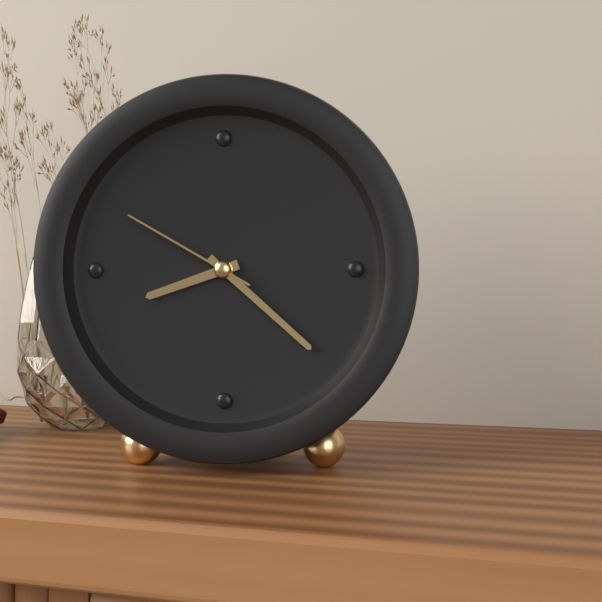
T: 8 h 22 min 50 s
